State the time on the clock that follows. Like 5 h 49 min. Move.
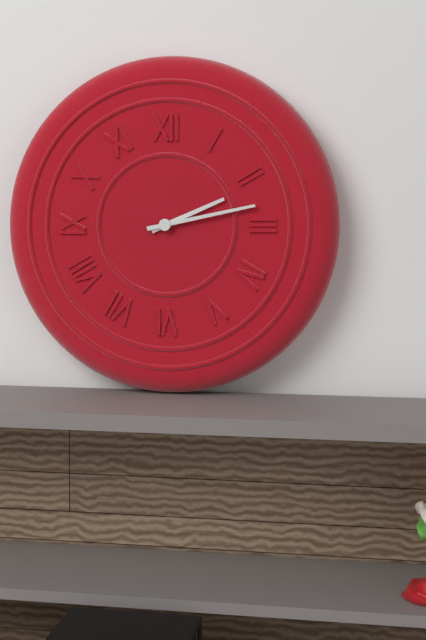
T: 2 h 13 min
